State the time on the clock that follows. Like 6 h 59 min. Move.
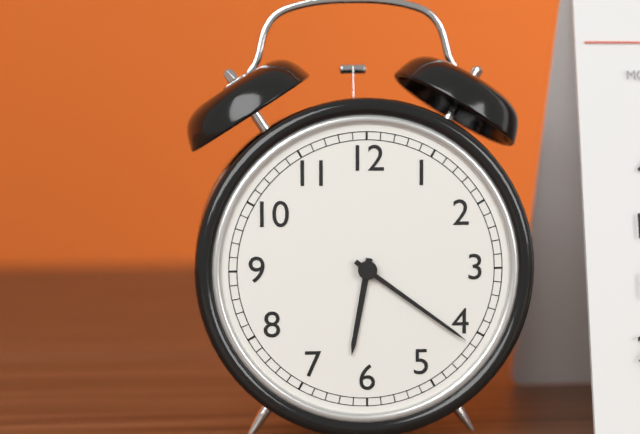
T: 6 h 21 min
